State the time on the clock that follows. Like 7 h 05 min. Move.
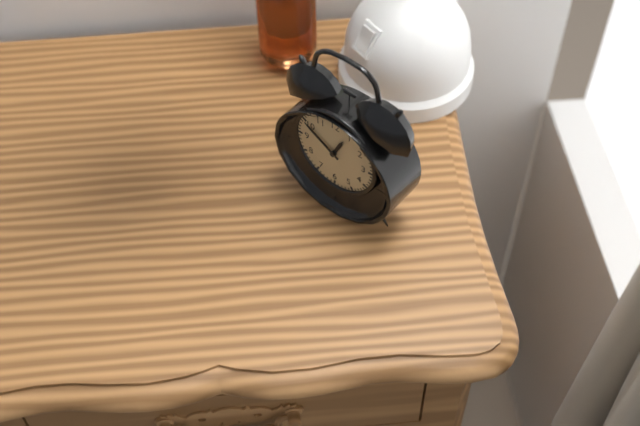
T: 12 h 50 min
